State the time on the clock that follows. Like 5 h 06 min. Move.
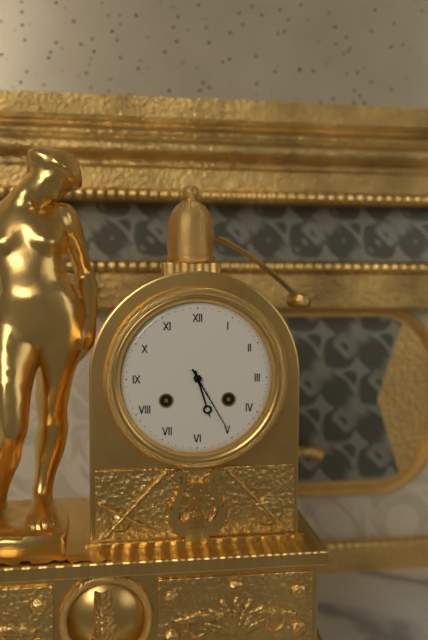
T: 5 h 25 min
